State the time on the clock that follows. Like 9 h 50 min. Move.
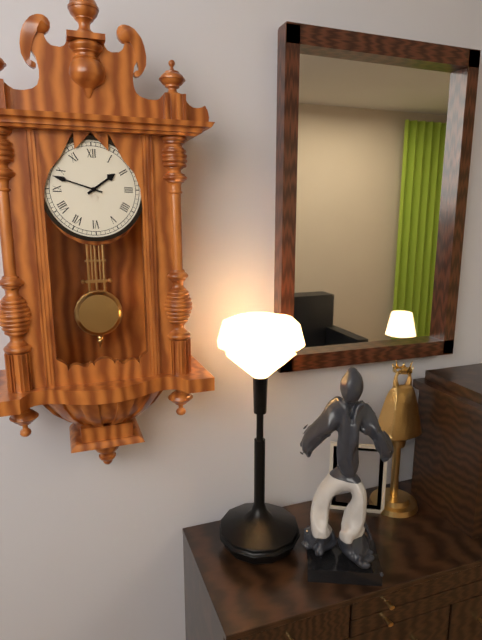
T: 1 h 48 min
